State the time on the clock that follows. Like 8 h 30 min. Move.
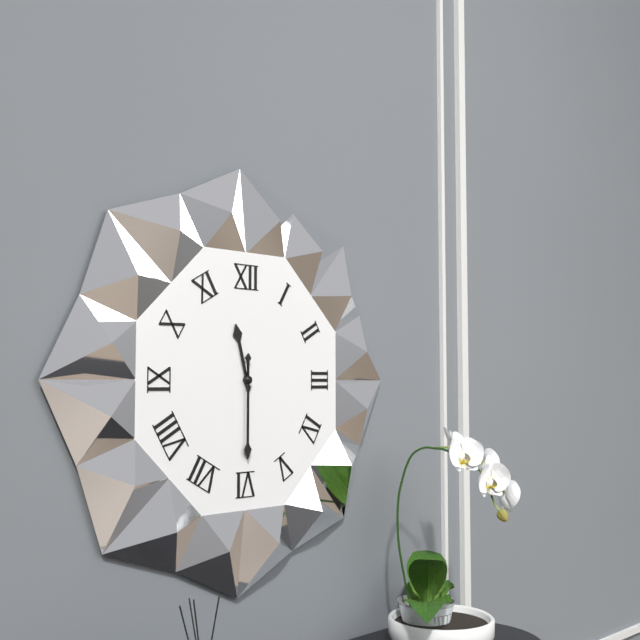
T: 11 h 30 min
